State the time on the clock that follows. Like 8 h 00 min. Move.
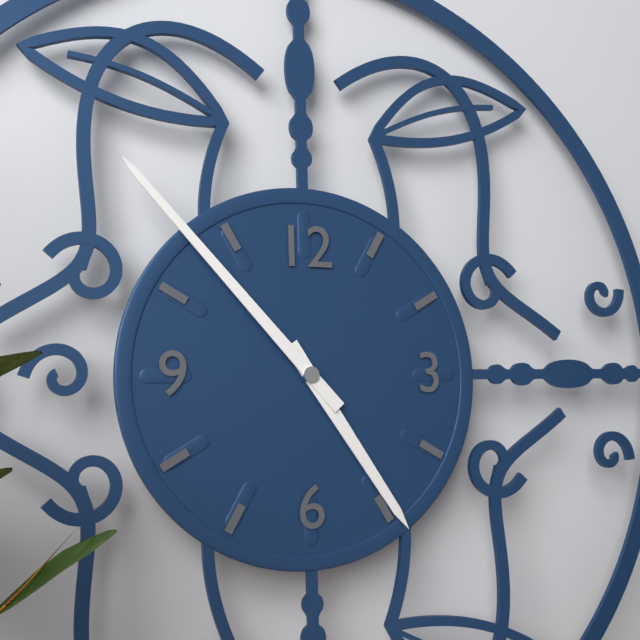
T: 4 h 53 min
